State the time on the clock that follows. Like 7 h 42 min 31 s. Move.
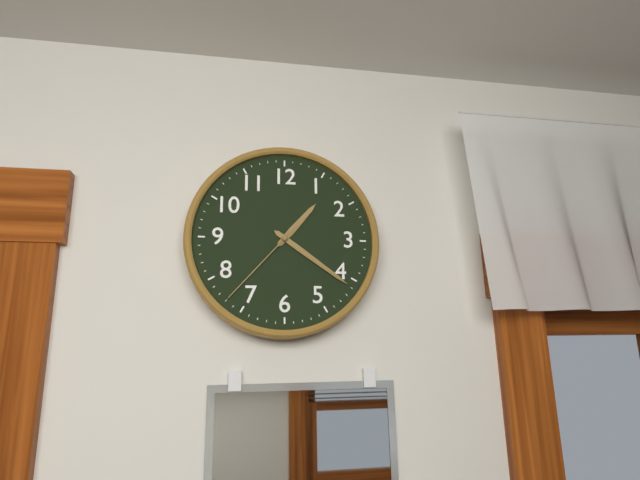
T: 1 h 21 min 37 s
